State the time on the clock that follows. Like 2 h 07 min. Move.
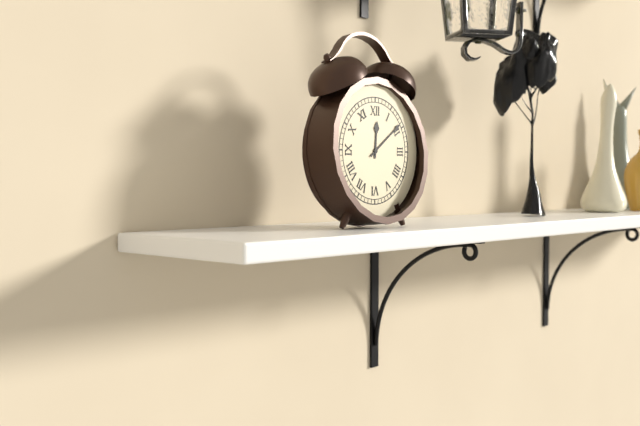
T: 12 h 09 min
